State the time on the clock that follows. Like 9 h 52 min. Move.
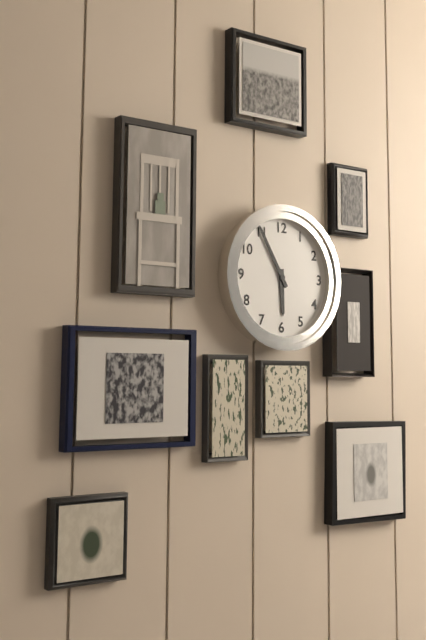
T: 5 h 55 min
